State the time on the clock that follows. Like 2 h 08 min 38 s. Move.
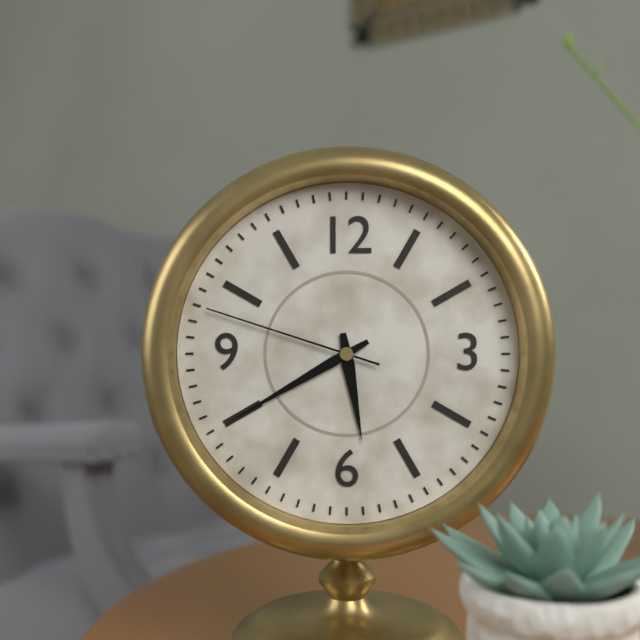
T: 5 h 40 min 48 s
